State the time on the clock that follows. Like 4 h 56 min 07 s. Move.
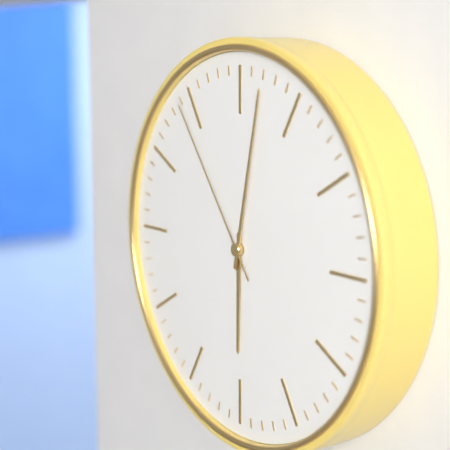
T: 6 h 02 min 54 s
